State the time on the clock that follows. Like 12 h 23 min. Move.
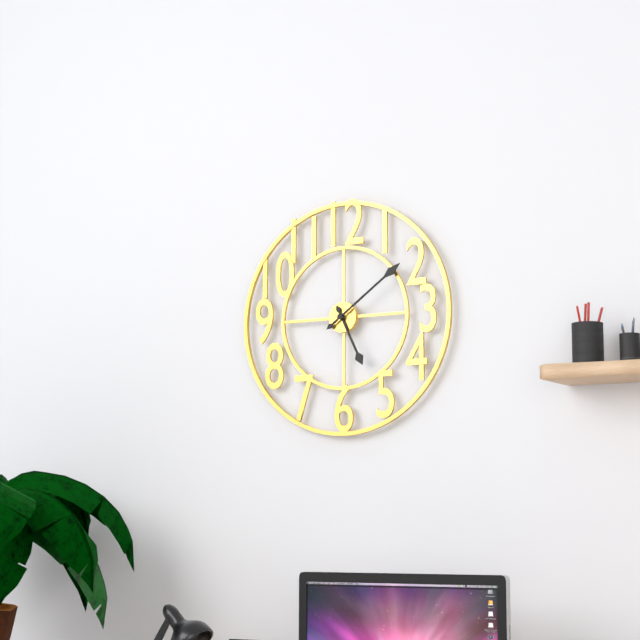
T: 5 h 09 min
